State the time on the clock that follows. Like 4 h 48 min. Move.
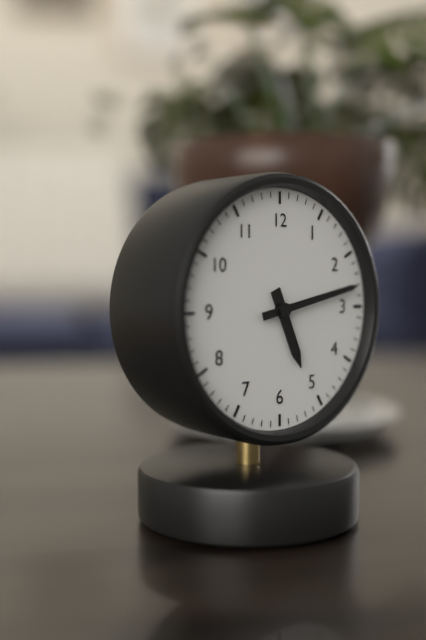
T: 5 h 13 min
